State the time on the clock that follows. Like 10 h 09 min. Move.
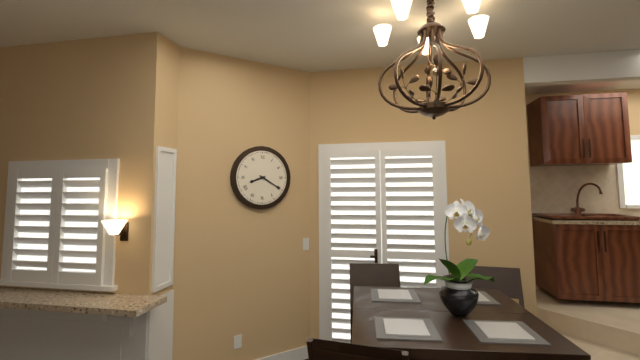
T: 8 h 20 min
